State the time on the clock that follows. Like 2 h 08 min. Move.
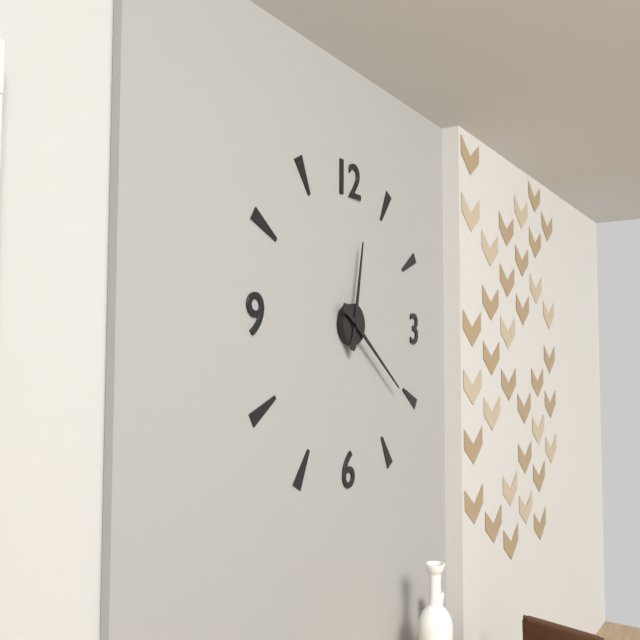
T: 12 h 21 min
